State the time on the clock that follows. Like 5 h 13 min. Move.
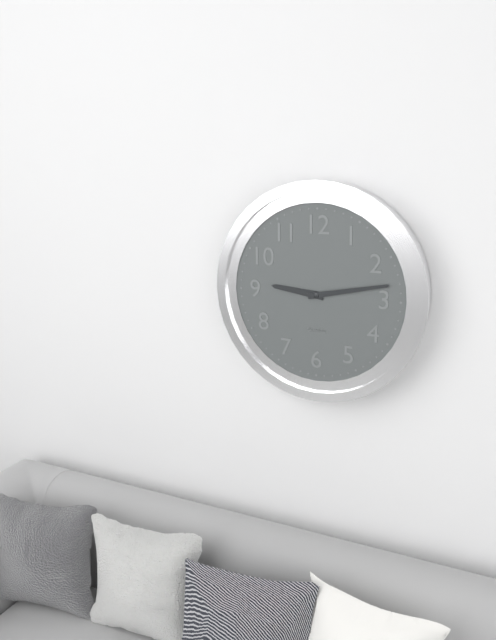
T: 9 h 13 min
